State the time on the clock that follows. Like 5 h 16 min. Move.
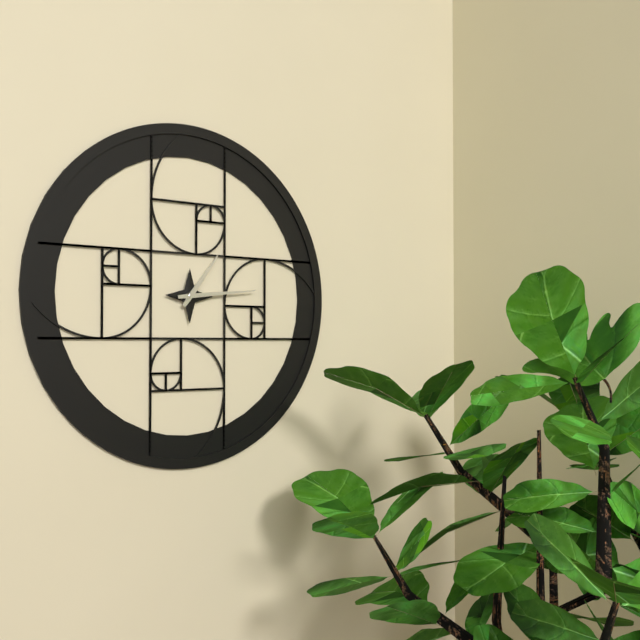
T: 1 h 14 min
